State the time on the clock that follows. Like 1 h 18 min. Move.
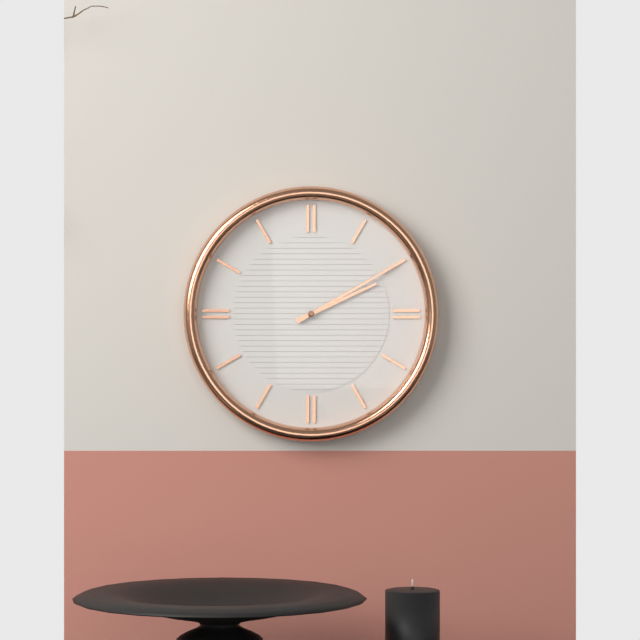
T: 2 h 10 min
